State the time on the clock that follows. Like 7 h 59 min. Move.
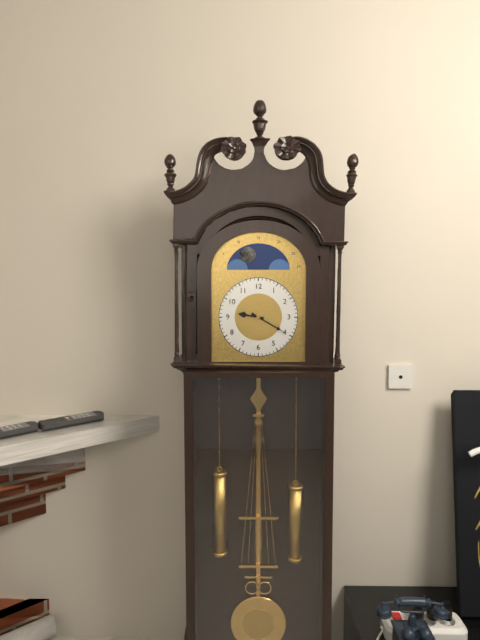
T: 9 h 20 min
